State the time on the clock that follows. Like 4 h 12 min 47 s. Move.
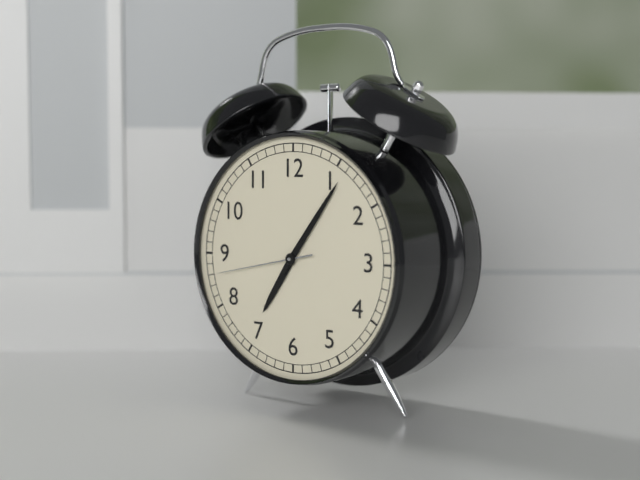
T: 7 h 06 min 43 s
